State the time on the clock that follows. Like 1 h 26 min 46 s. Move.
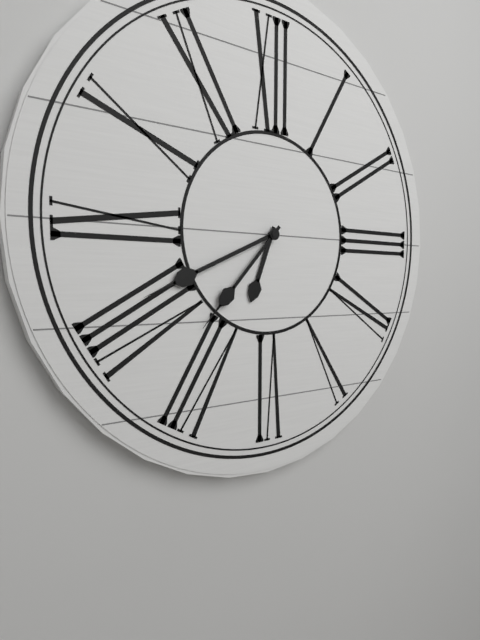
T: 6 h 41 min 37 s
